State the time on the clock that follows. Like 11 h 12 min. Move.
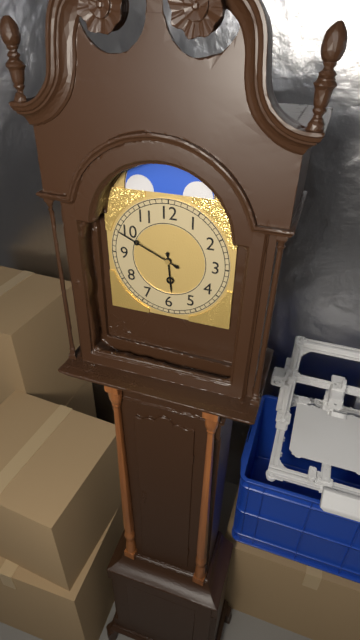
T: 5 h 49 min
